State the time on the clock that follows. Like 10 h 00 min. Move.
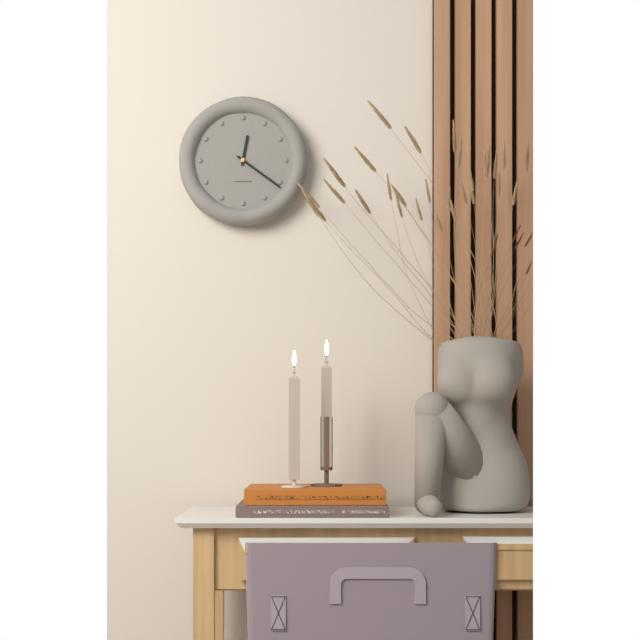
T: 12 h 21 min
